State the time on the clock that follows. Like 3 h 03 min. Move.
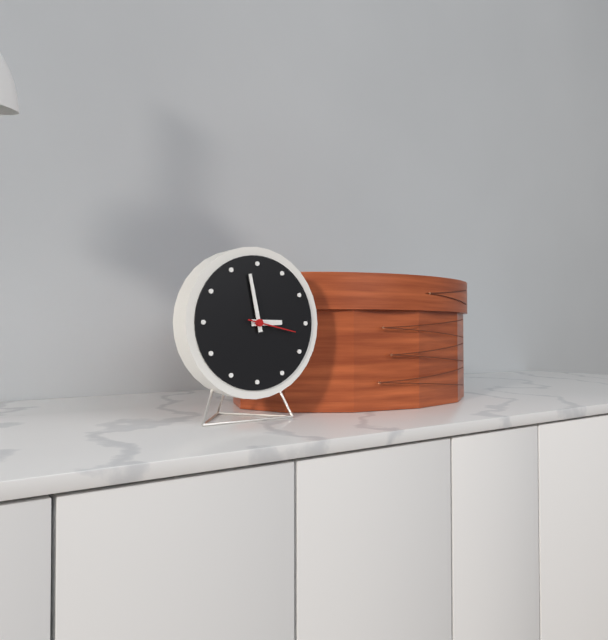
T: 2 h 58 min
